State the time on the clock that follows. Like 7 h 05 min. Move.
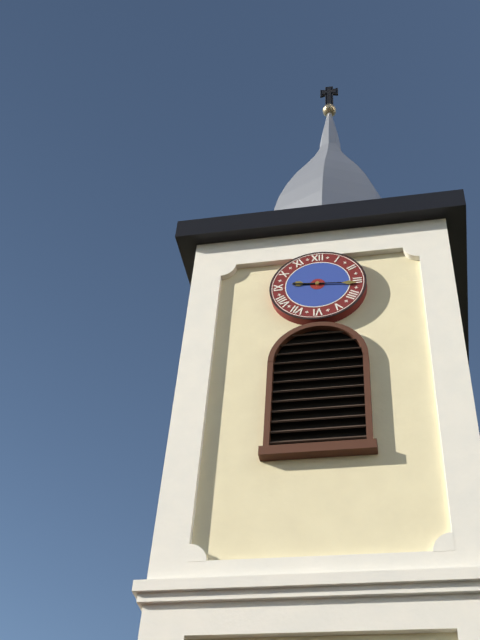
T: 9 h 16 min
